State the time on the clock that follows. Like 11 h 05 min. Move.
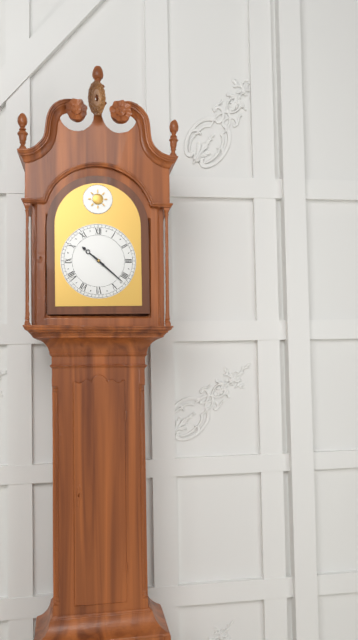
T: 10 h 22 min
